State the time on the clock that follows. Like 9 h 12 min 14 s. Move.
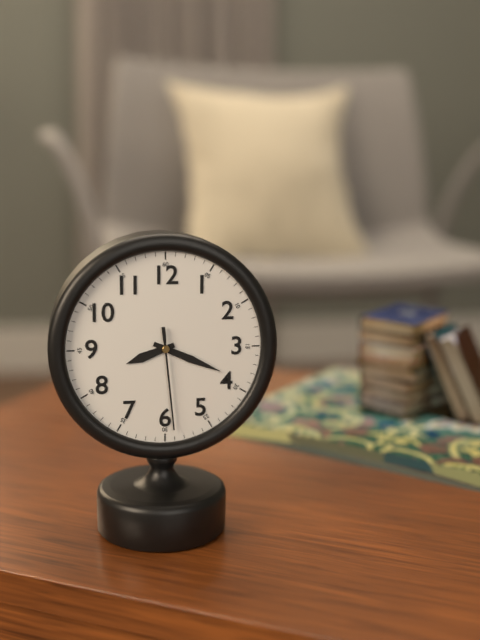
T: 8 h 19 min 29 s
